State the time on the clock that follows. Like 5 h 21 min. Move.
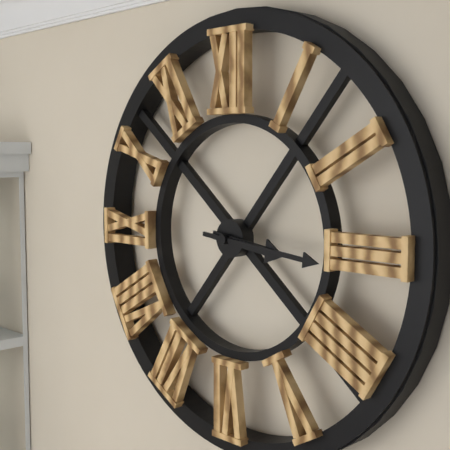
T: 3 h 16 min
